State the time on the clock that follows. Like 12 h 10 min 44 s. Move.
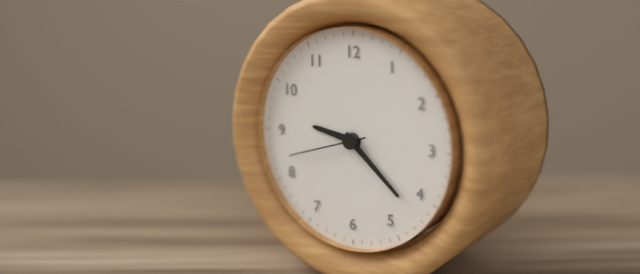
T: 9 h 22 min 42 s
